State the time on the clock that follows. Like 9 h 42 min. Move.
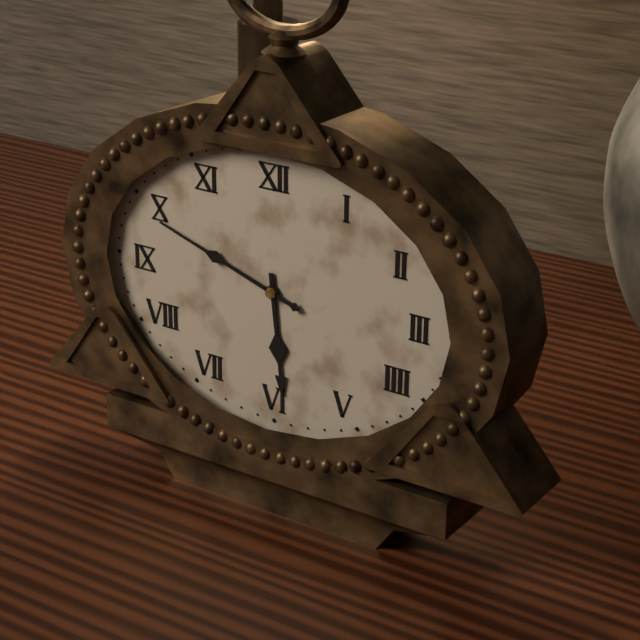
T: 5 h 48 min
